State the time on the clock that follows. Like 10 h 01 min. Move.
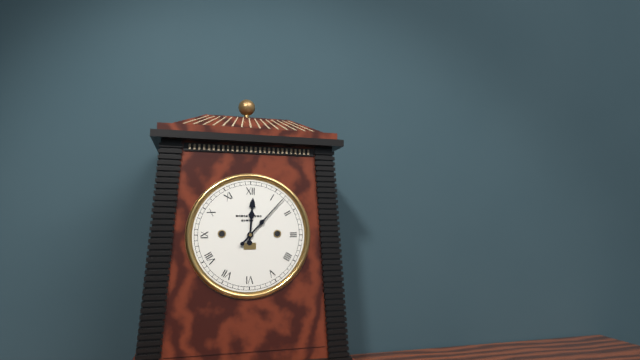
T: 12 h 07 min
